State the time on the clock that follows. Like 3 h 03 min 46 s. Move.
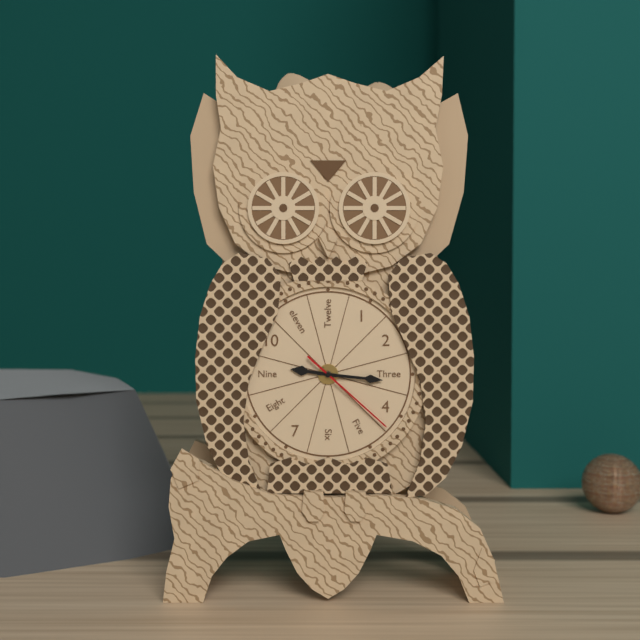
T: 9 h 16 min 22 s
